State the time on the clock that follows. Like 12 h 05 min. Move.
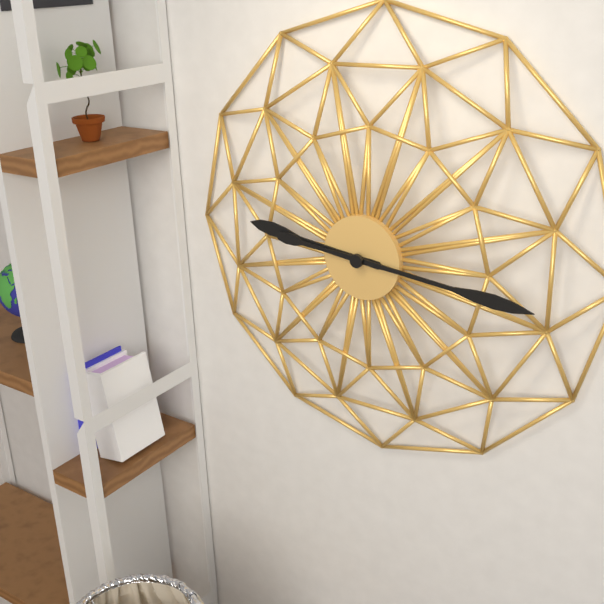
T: 9 h 16 min
